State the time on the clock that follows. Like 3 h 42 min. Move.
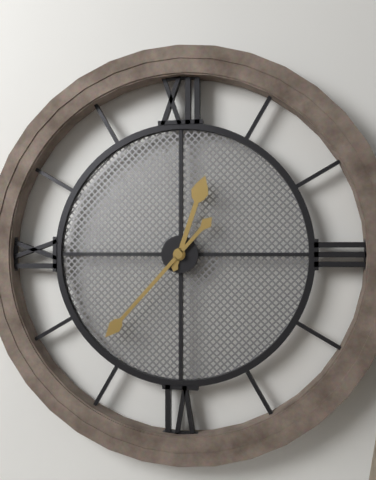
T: 12 h 37 min
